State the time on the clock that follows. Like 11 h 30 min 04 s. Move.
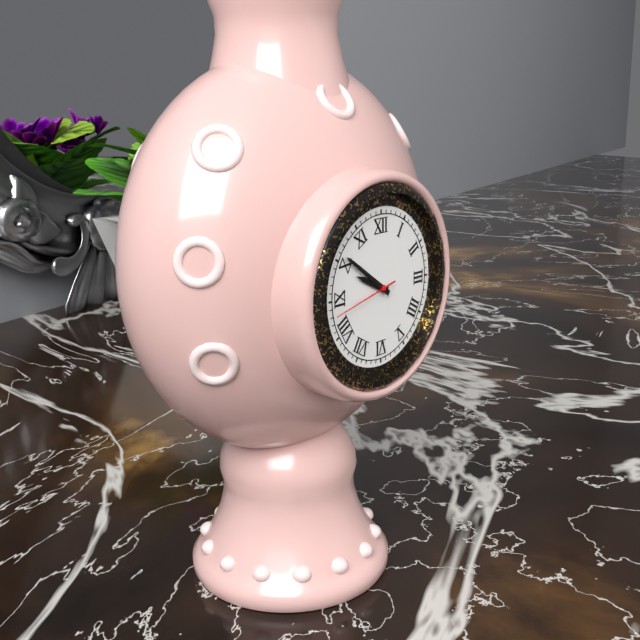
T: 9 h 51 min 43 s
